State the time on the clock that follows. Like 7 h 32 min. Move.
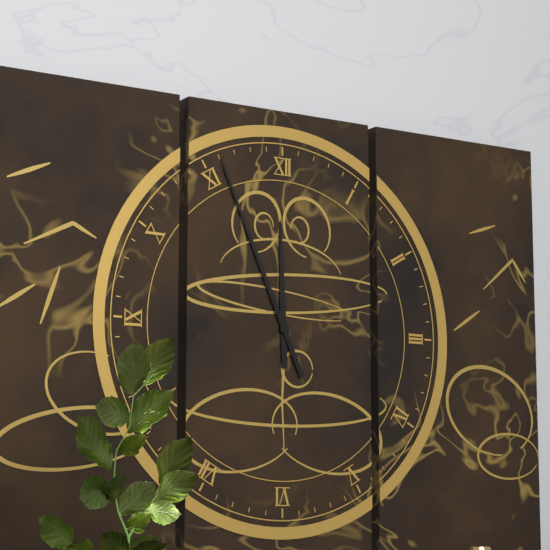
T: 11 h 56 min
